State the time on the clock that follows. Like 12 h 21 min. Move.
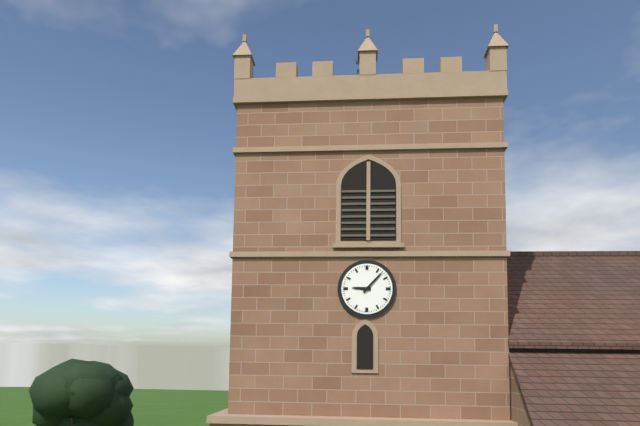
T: 9 h 07 min
